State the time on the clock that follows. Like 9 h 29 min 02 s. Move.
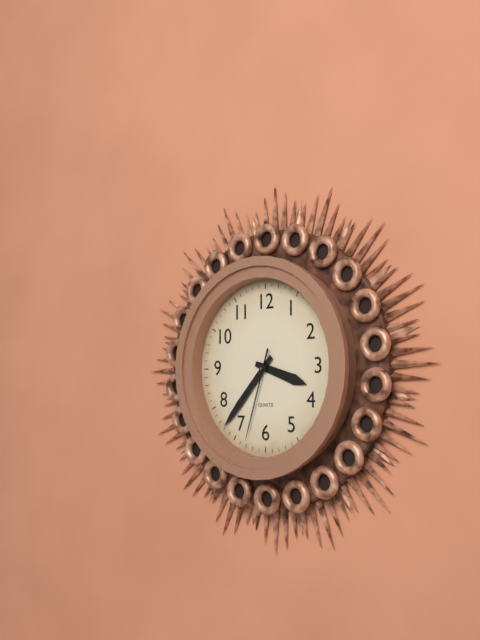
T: 3 h 37 min 33 s
